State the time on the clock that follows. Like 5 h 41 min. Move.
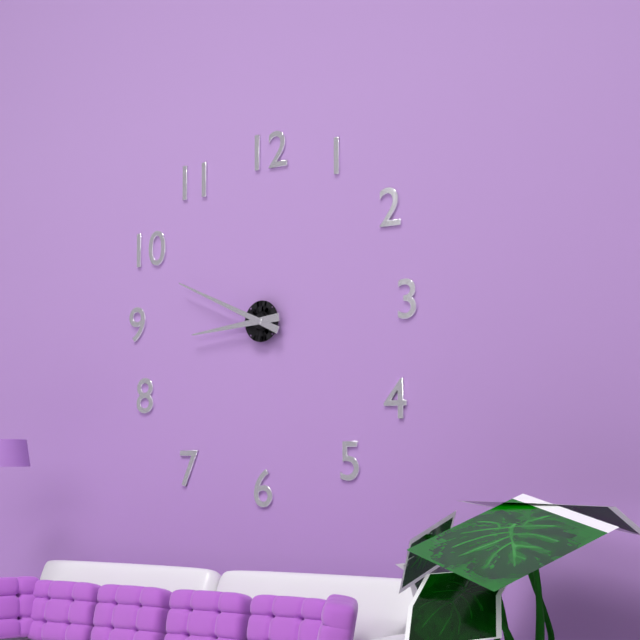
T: 8 h 49 min
